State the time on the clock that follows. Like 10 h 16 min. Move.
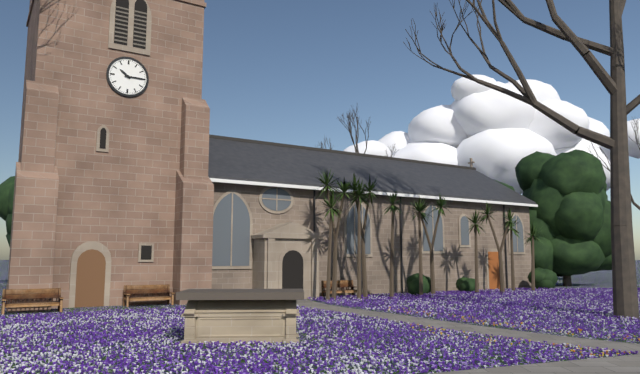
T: 10 h 15 min
